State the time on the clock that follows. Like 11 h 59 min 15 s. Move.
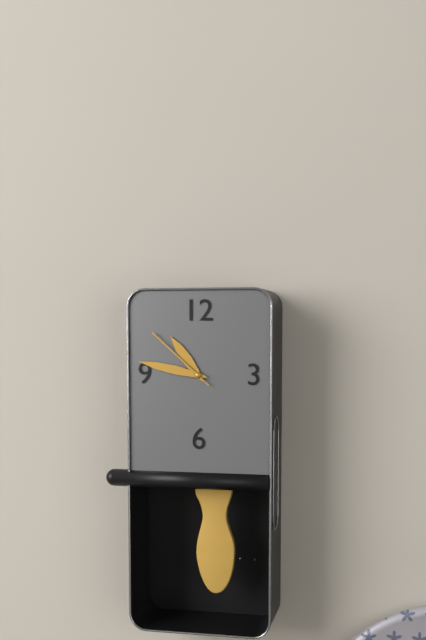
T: 10 h 47 min 52 s
